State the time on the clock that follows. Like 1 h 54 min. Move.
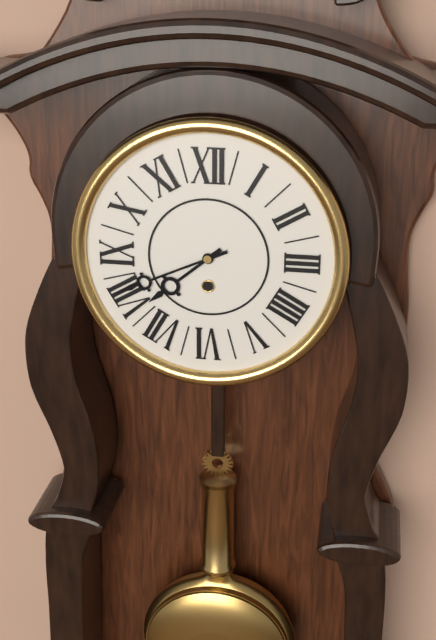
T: 7 h 41 min
